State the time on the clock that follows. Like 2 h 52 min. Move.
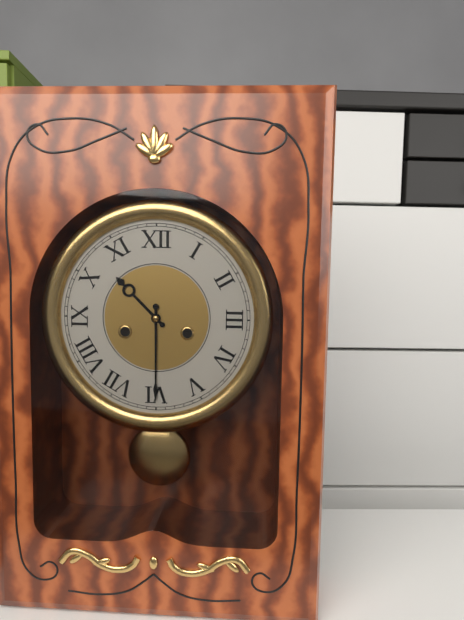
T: 10 h 30 min
